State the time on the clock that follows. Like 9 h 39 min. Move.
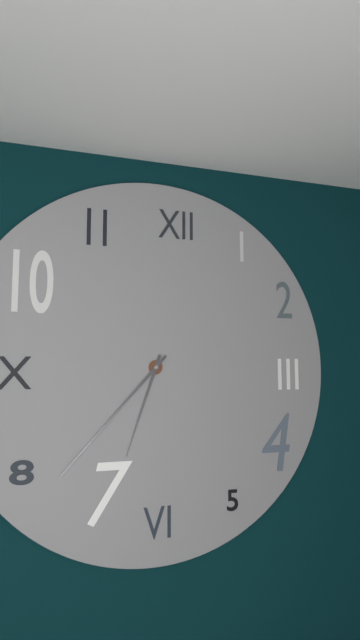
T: 6 h 37 min
